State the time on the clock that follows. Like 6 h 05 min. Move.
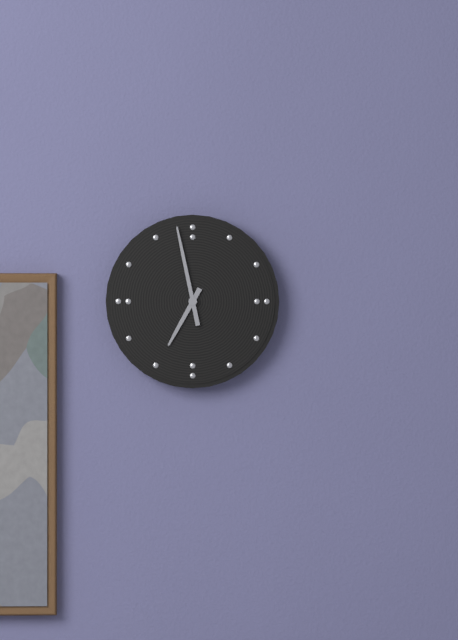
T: 6 h 58 min
